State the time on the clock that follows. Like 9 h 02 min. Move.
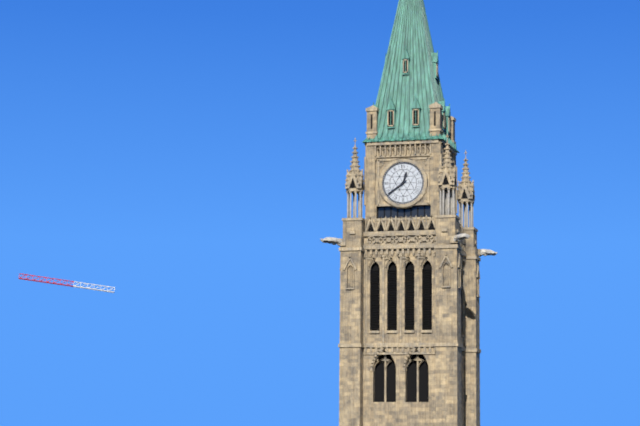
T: 12 h 39 min
